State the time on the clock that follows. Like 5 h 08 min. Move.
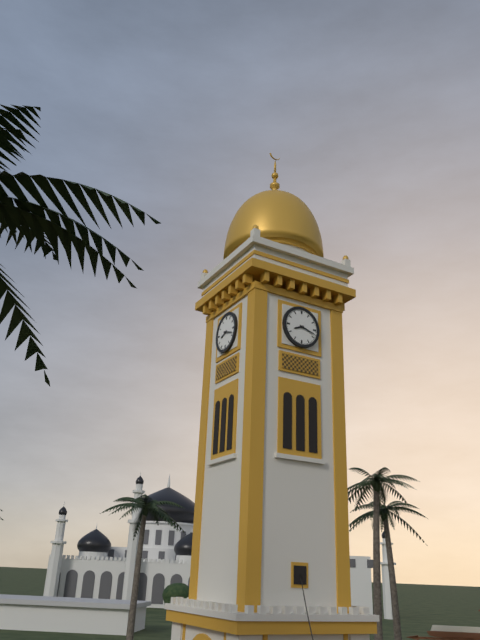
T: 8 h 18 min
